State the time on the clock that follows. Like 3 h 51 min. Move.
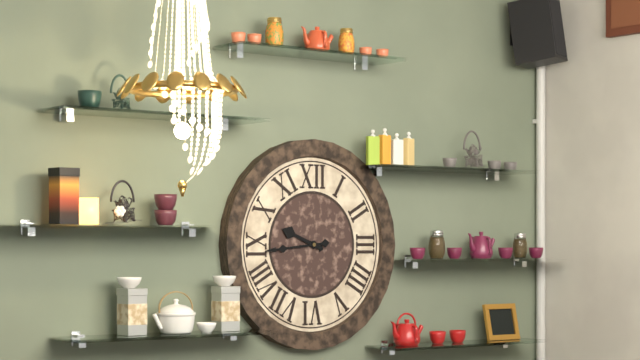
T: 9 h 44 min
